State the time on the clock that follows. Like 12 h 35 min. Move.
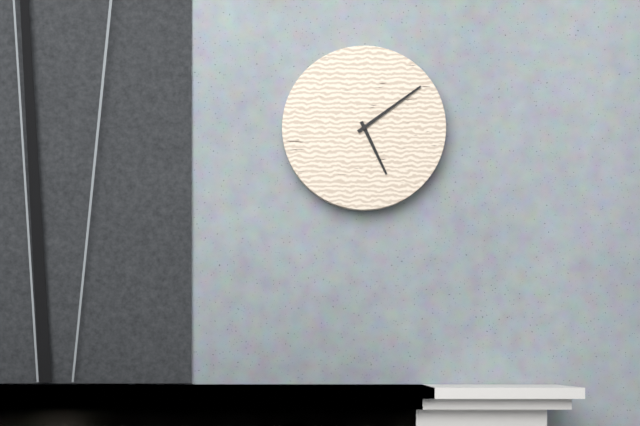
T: 5 h 09 min
